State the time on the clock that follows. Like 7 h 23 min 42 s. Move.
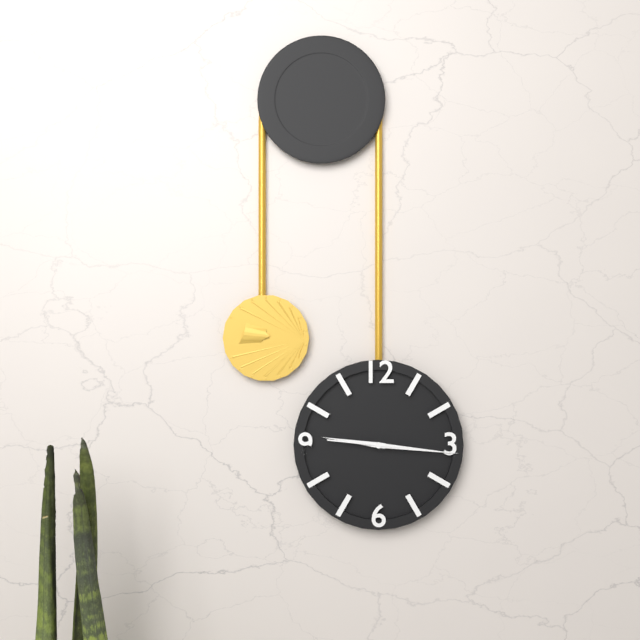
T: 9 h 16 min 46 s
